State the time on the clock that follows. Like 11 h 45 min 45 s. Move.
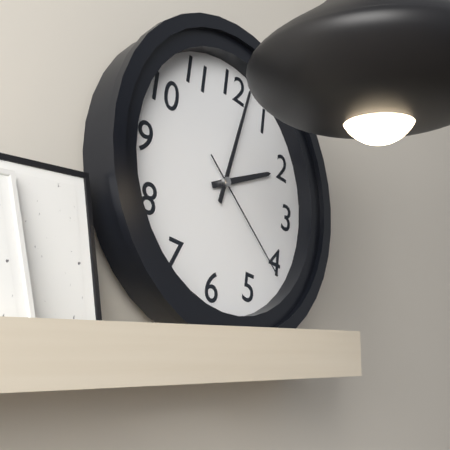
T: 2 h 02 min 21 s
